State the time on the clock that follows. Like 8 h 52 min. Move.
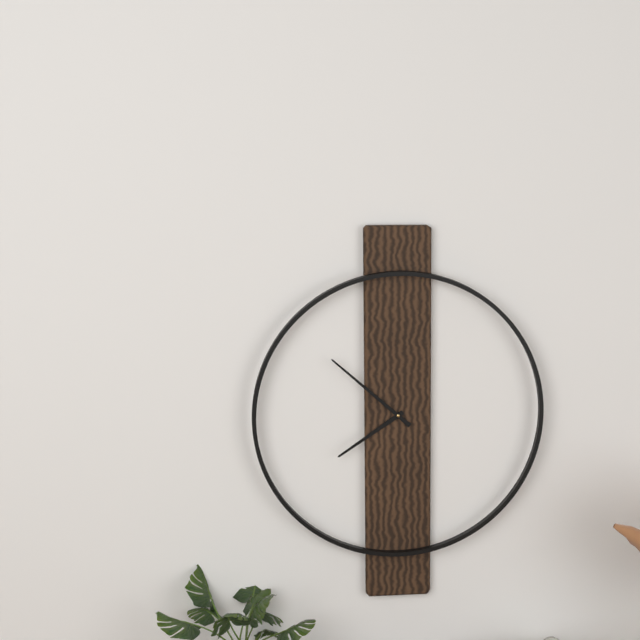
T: 7 h 52 min
